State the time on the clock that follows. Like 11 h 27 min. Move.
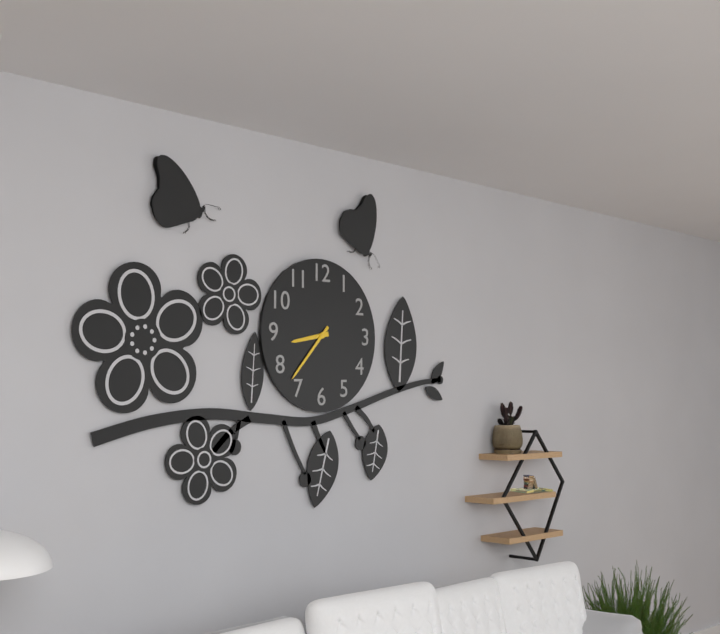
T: 8 h 37 min
